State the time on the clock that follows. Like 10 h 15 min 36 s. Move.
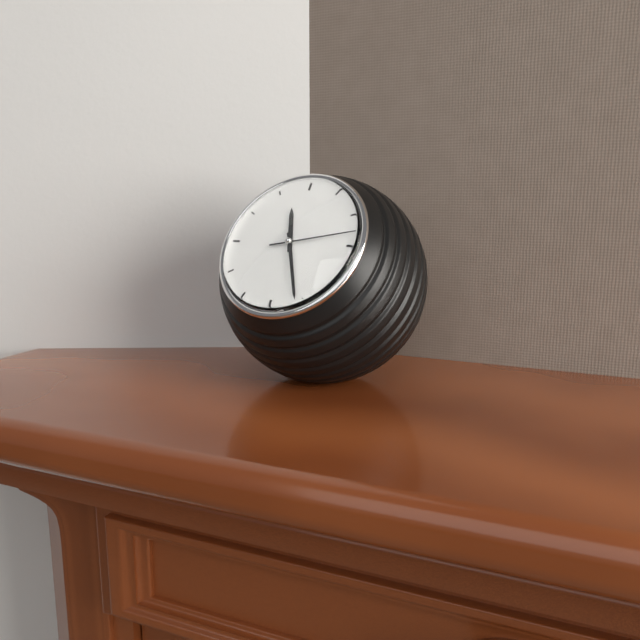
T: 11 h 26 min 13 s
